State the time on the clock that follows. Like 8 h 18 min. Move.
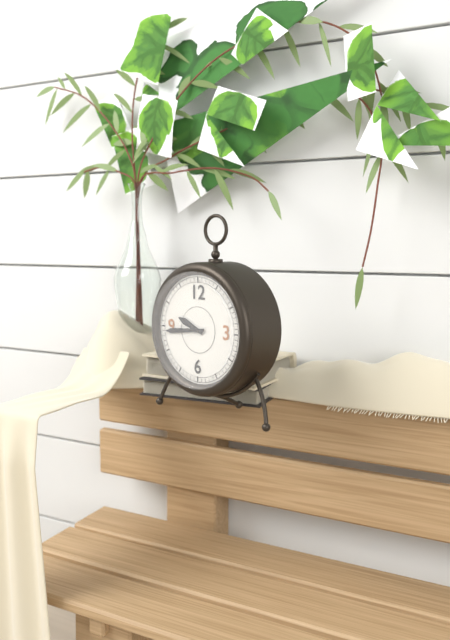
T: 9 h 44 min
